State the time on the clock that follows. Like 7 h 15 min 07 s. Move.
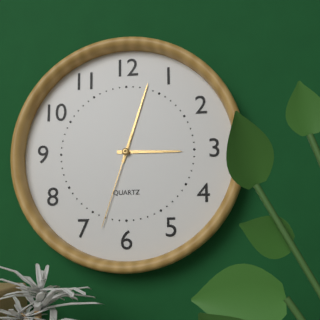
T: 3 h 03 min 33 s
